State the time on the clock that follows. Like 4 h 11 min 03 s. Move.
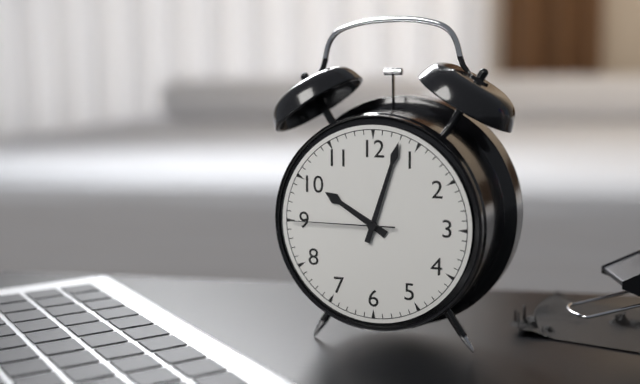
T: 10 h 03 min 45 s
